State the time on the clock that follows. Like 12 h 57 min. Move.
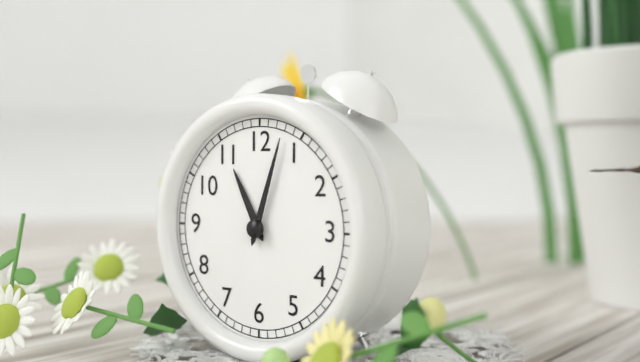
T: 11 h 03 min
